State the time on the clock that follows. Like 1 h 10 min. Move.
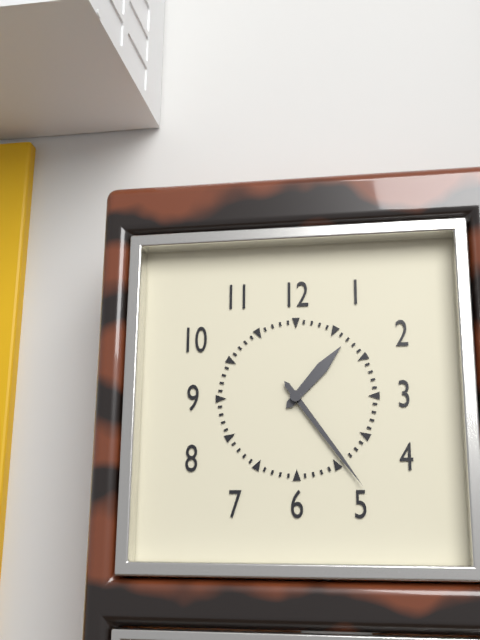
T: 1 h 24 min
